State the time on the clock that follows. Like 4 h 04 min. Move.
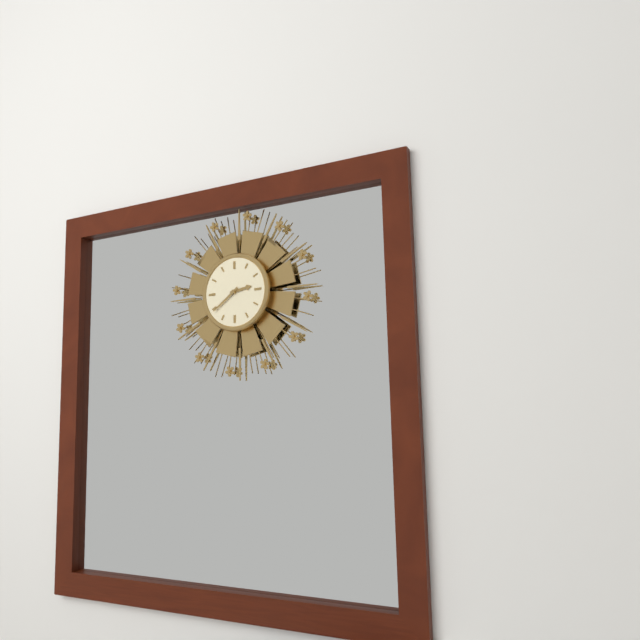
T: 2 h 39 min
